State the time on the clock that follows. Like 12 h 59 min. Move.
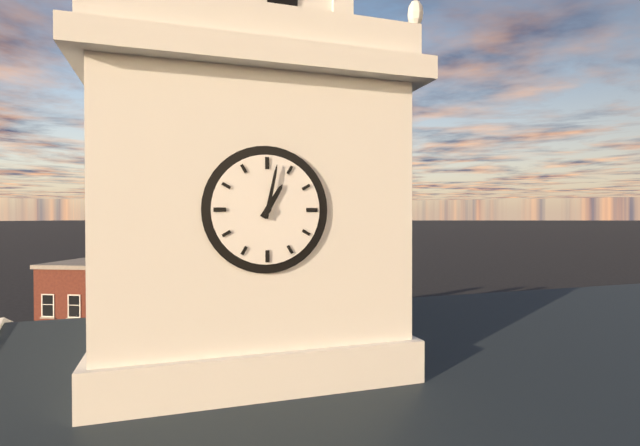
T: 1 h 02 min
